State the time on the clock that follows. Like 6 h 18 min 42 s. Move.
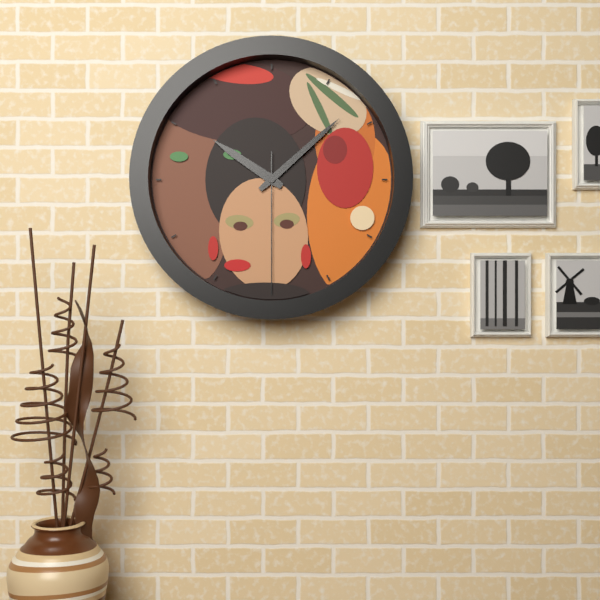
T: 10 h 08 min 30 s
